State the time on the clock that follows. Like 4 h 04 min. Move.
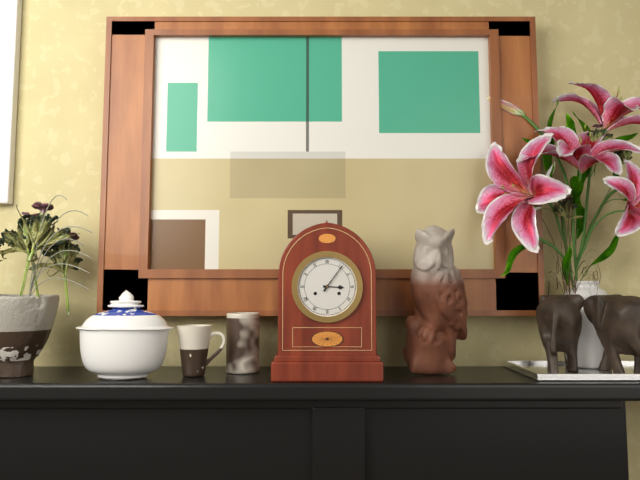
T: 3 h 06 min
